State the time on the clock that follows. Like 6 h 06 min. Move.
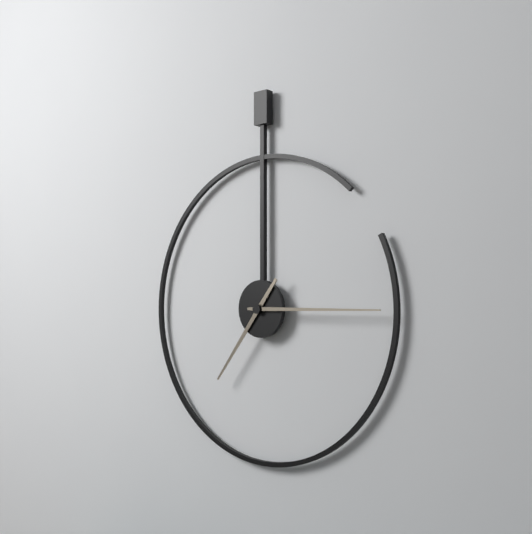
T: 7 h 15 min
